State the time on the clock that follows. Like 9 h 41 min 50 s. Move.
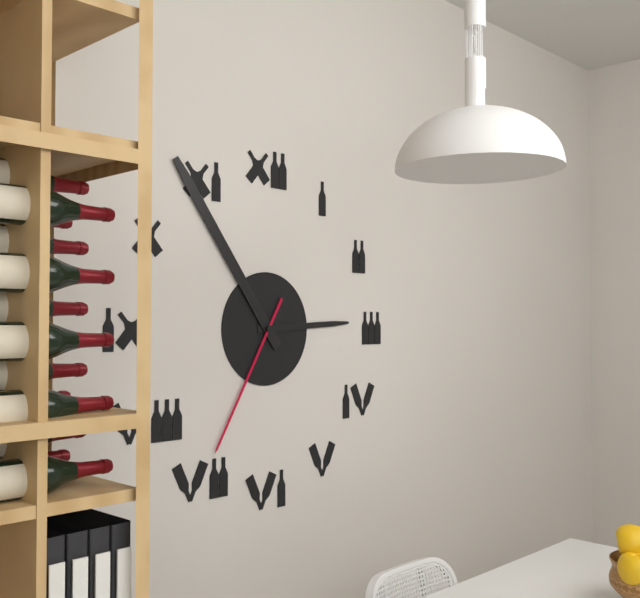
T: 2 h 54 min 35 s
